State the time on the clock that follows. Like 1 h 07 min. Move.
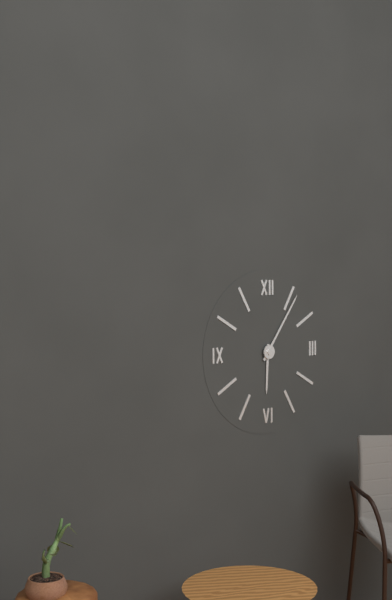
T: 6 h 06 min
